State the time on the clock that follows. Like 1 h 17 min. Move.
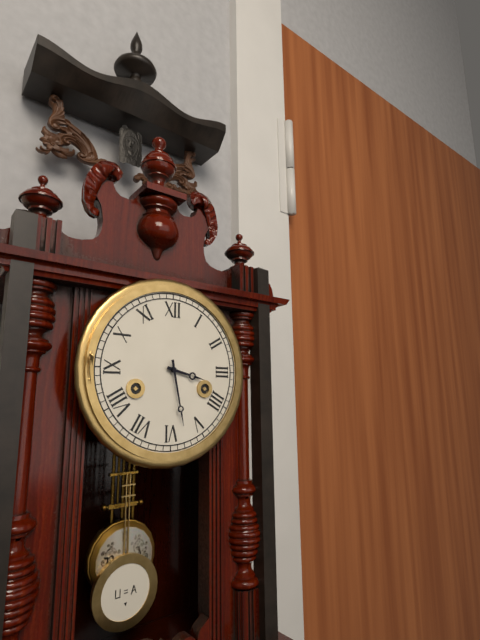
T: 3 h 28 min
